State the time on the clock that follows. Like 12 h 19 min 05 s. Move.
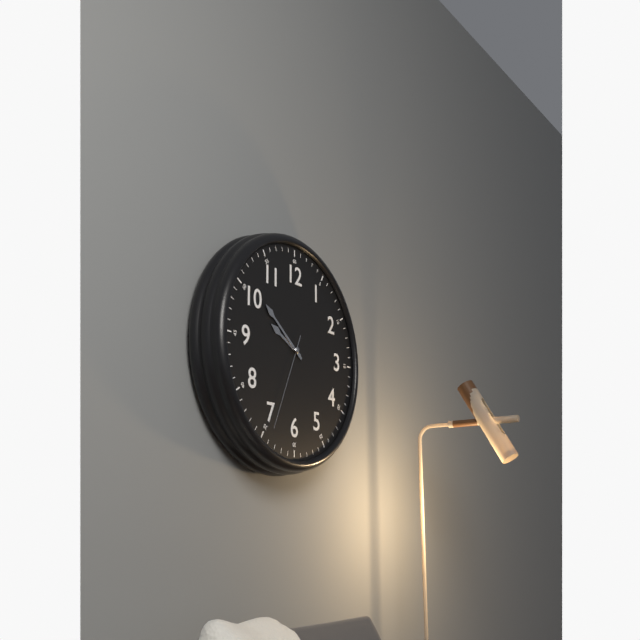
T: 9 h 51 min 34 s
